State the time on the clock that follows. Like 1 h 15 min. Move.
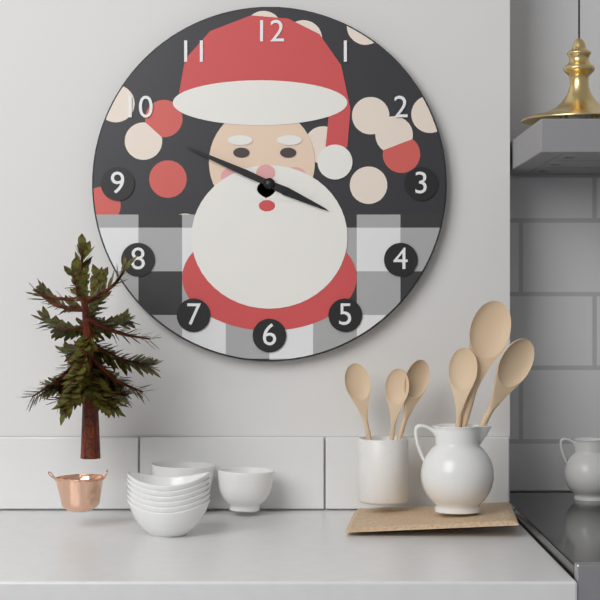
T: 3 h 49 min
